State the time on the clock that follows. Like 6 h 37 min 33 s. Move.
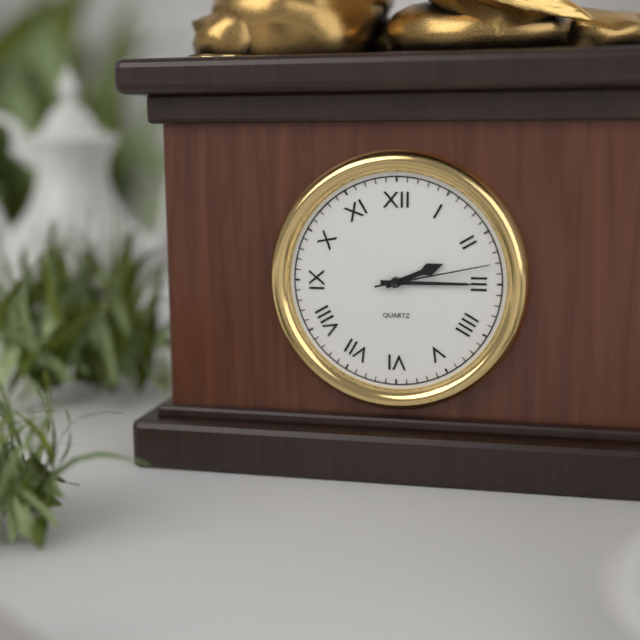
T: 2 h 15 min 13 s
